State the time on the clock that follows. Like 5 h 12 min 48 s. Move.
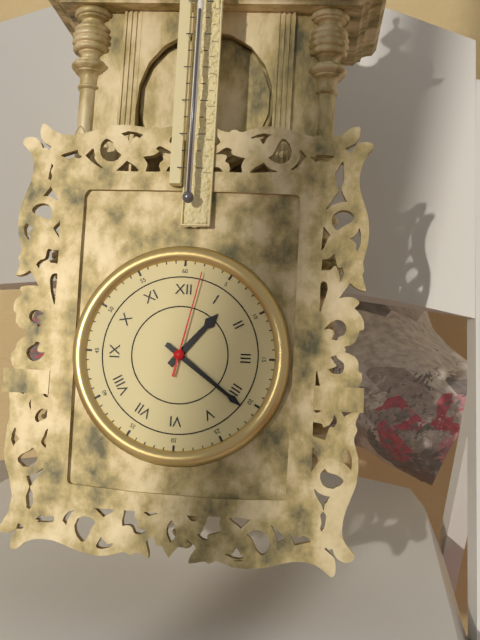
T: 1 h 21 min 02 s
